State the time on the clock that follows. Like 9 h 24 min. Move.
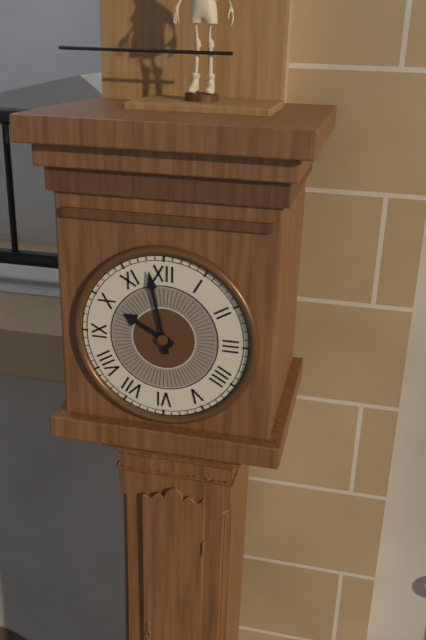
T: 9 h 58 min
